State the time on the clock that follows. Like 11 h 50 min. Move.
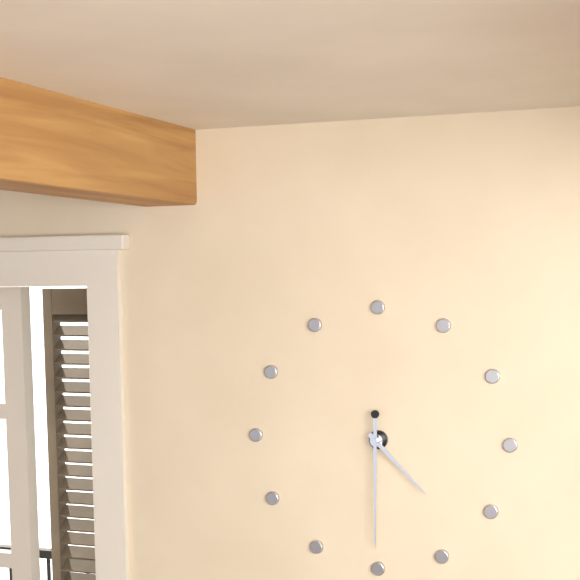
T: 4 h 30 min
